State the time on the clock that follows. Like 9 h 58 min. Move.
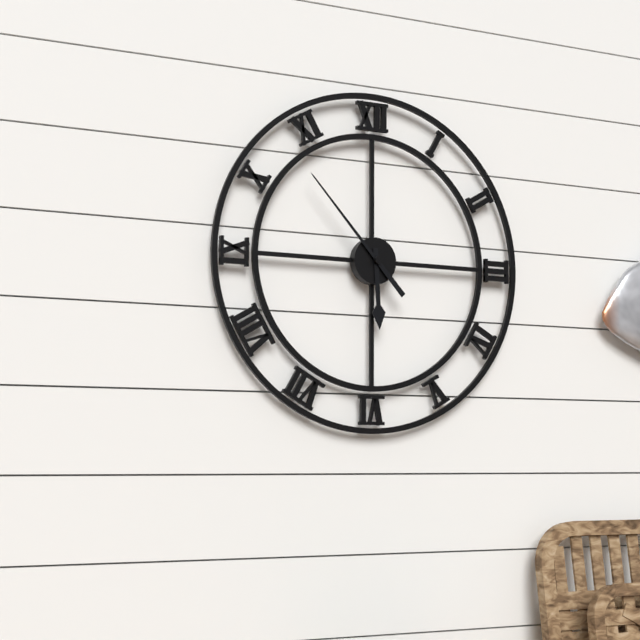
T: 5 h 53 min
